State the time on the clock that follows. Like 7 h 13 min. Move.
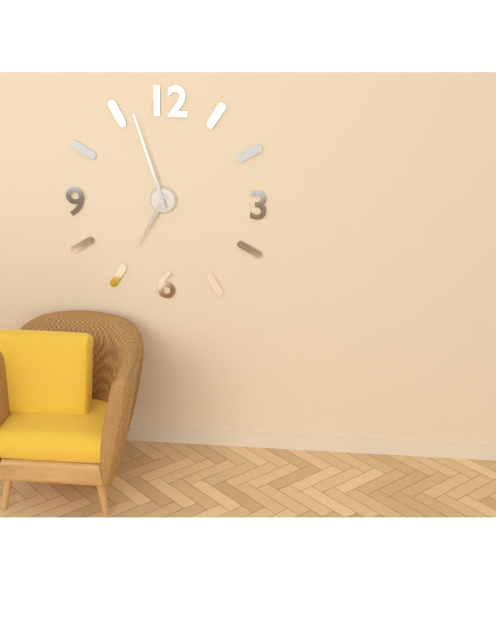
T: 6 h 57 min
